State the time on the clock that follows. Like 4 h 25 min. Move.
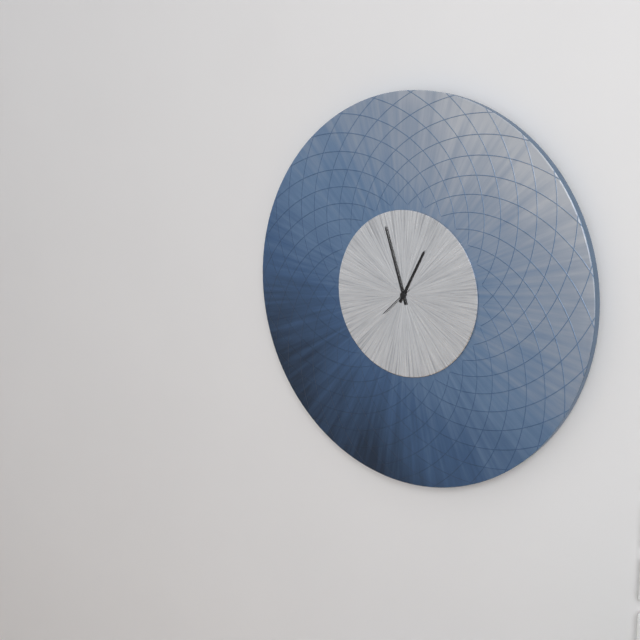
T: 12 h 57 min
